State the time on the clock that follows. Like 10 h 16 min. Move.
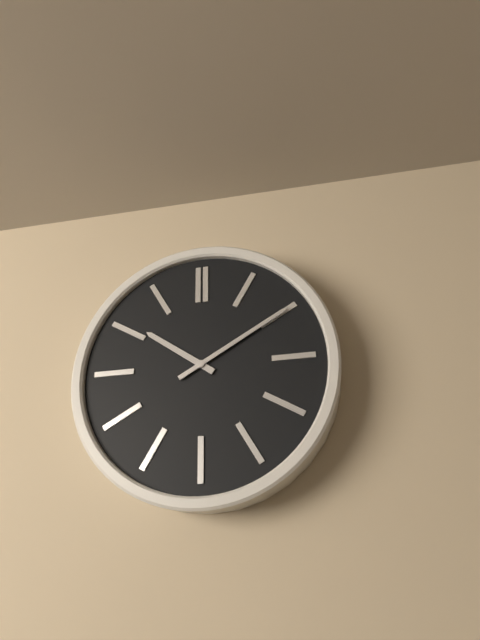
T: 10 h 10 min
